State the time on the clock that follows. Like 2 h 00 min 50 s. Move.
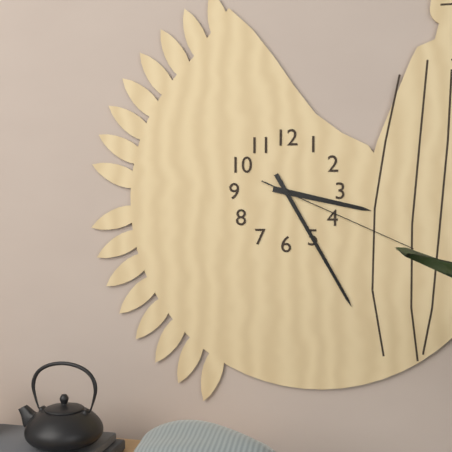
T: 3 h 25 min 19 s
